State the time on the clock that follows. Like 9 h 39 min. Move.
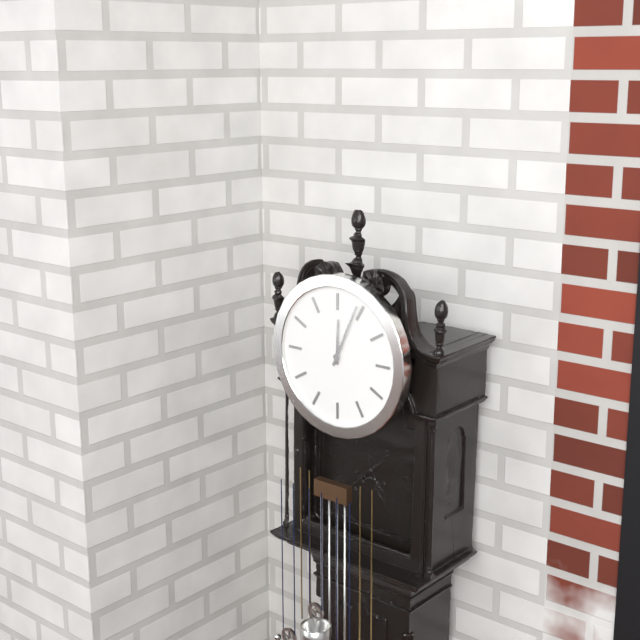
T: 12 h 04 min
